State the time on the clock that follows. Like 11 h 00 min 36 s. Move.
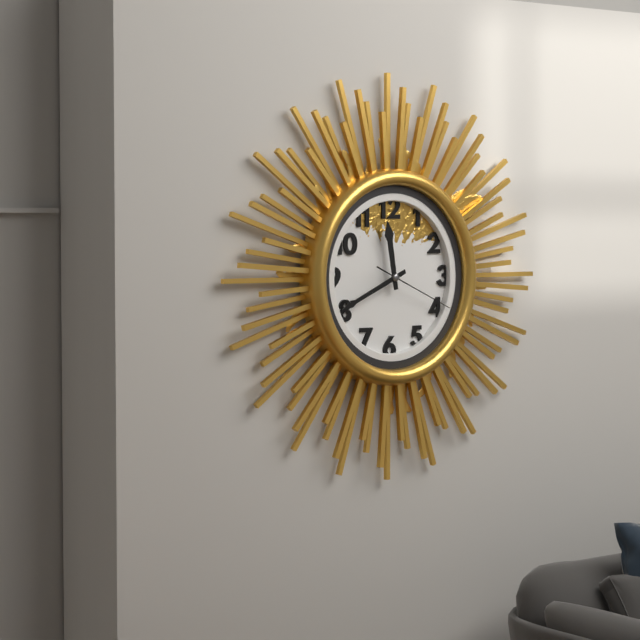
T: 11 h 41 min 19 s
